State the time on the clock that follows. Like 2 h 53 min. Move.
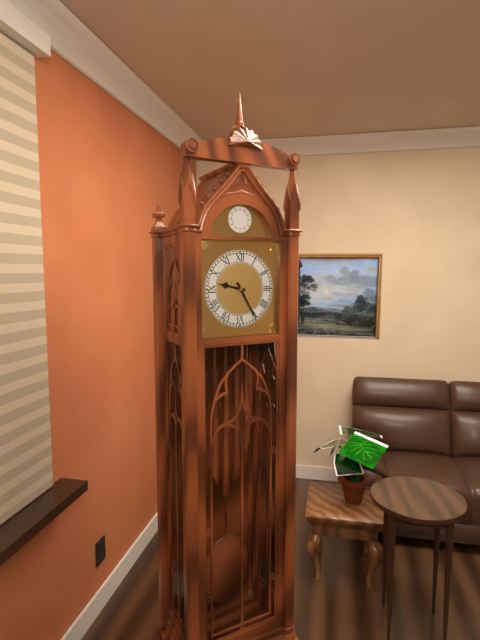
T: 9 h 25 min
